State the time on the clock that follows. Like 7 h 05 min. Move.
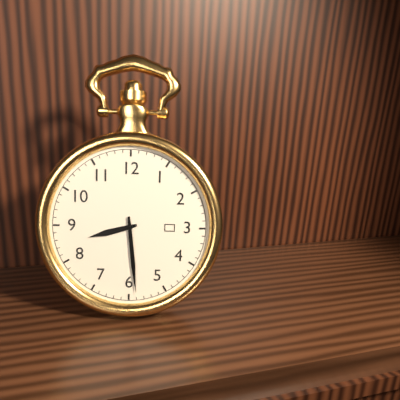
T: 8 h 29 min
